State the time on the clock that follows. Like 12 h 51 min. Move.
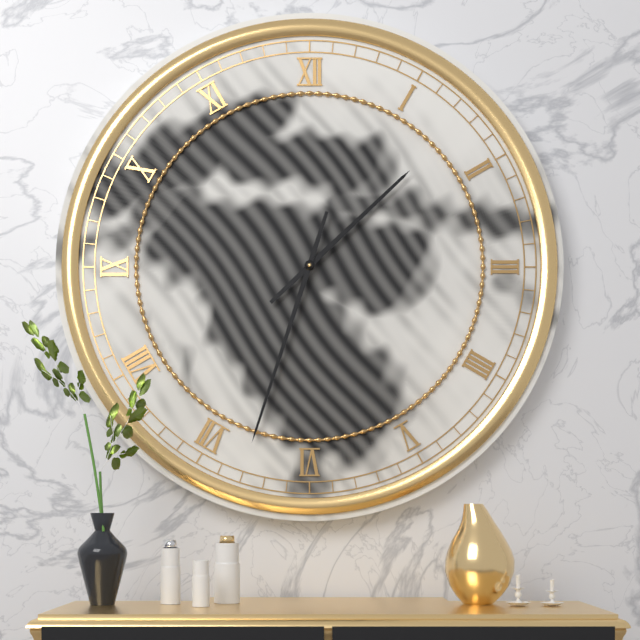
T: 1 h 33 min
